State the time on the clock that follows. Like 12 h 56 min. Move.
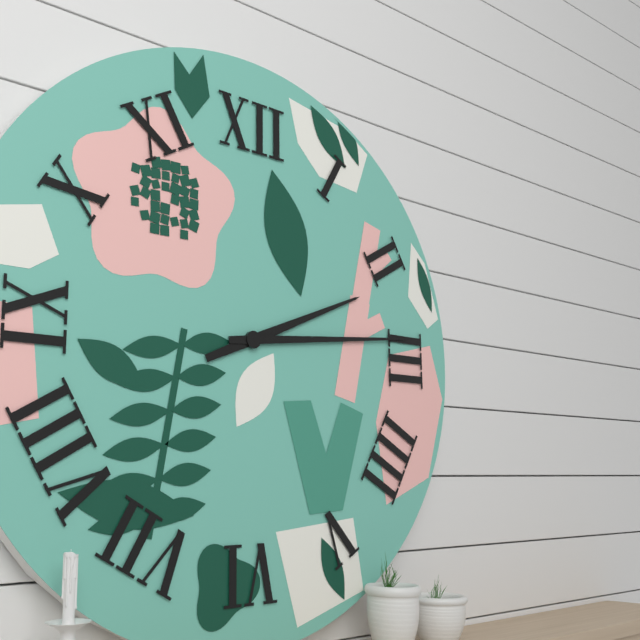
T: 2 h 14 min
